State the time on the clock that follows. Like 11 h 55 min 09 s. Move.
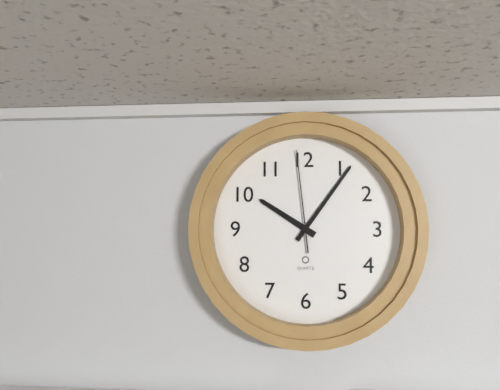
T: 10 h 06 min 59 s
